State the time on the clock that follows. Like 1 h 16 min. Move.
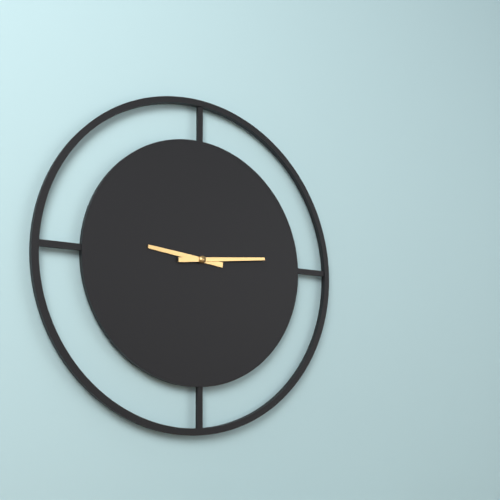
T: 9 h 14 min
